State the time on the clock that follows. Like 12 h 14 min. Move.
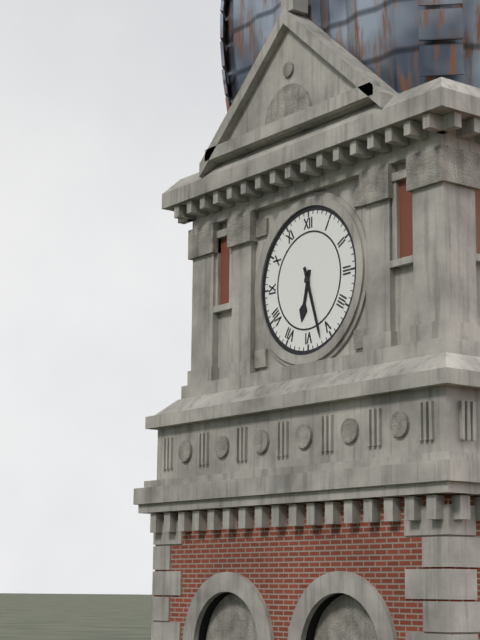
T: 6 h 27 min
